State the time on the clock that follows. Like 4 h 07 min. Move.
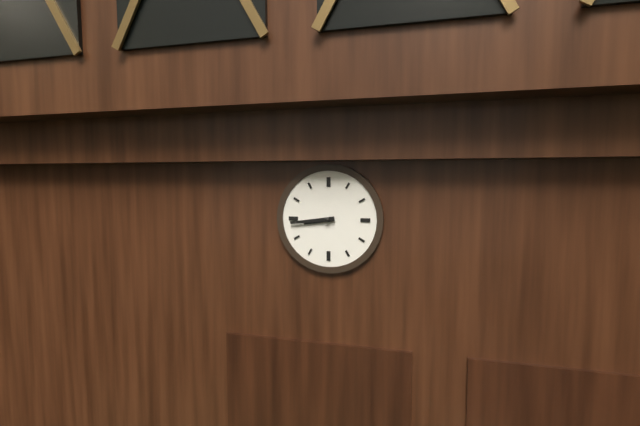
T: 8 h 44 min
